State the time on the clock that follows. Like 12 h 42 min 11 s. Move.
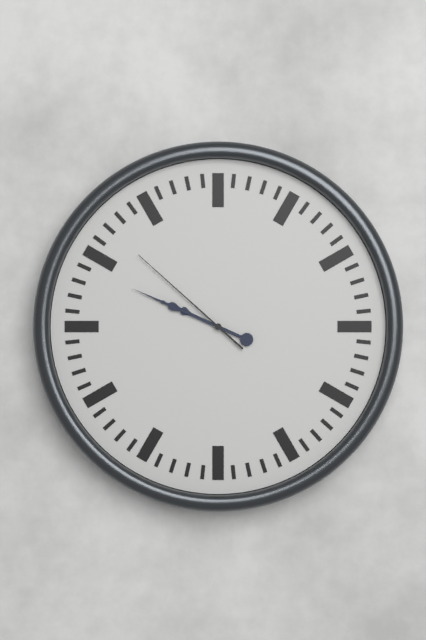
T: 9 h 49 min 52 s
